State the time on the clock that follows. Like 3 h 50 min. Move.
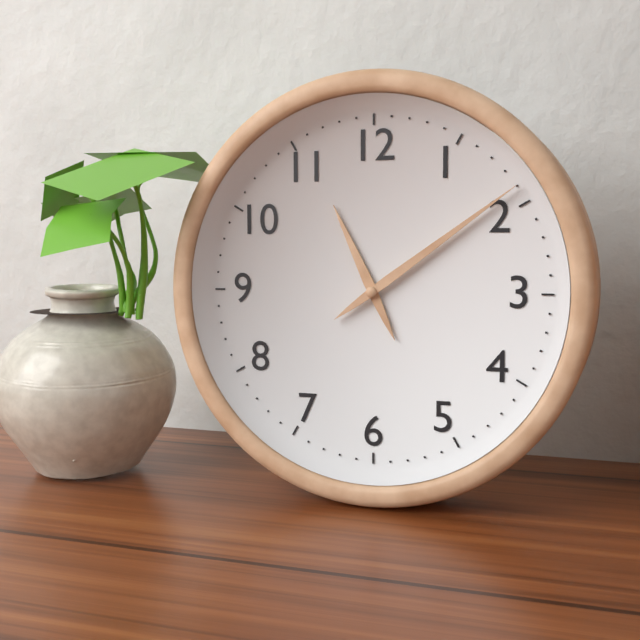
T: 11 h 09 min
